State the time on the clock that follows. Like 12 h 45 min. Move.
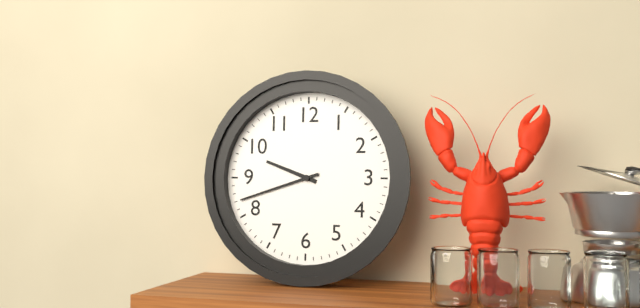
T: 9 h 42 min
